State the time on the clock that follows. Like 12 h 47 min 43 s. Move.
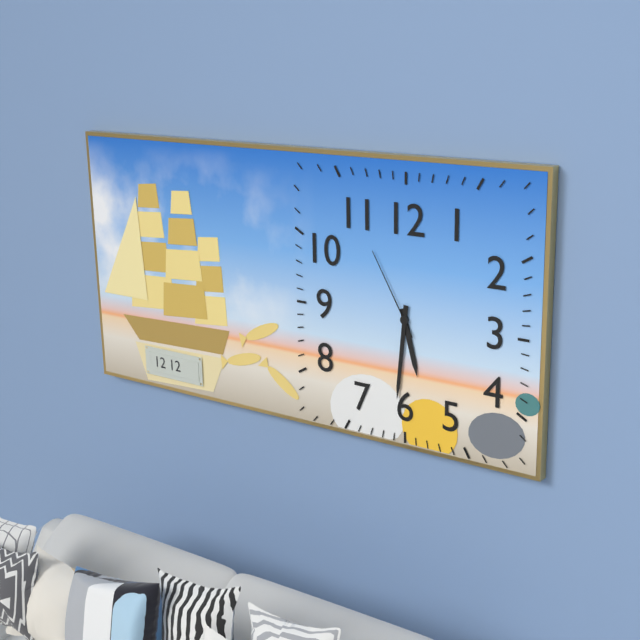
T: 5 h 31 min 55 s
